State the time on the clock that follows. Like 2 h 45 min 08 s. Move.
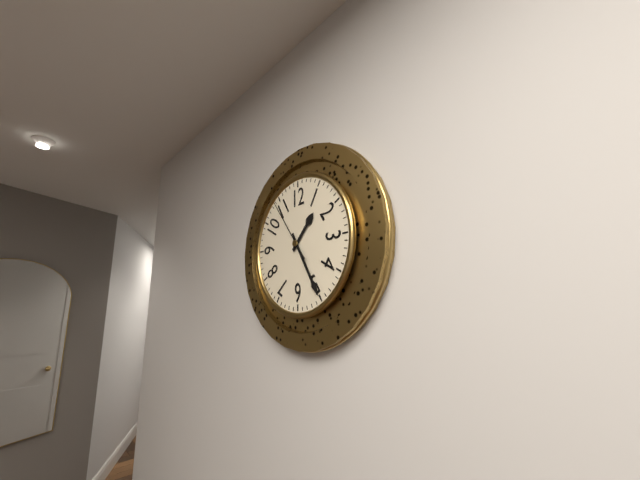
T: 1 h 25 min 54 s
